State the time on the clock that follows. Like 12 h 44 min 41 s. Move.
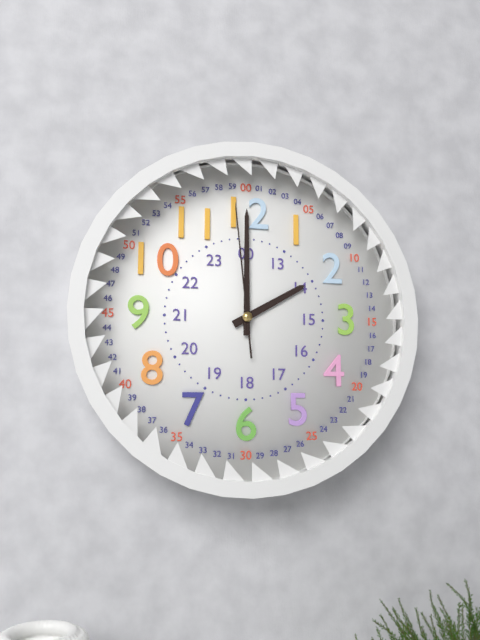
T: 2 h 00 min 59 s
